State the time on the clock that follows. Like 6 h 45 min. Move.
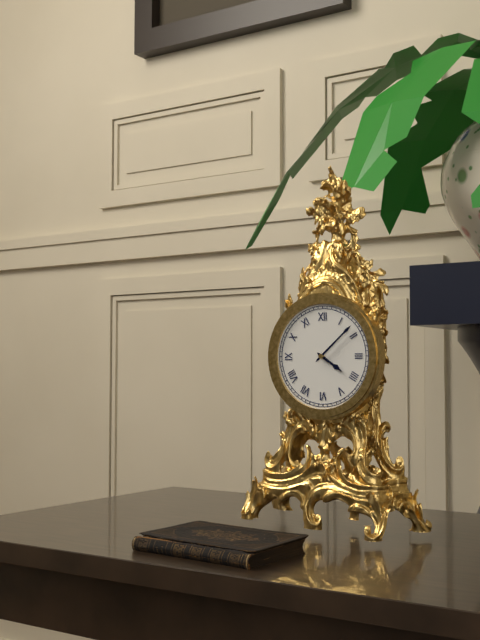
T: 4 h 08 min
